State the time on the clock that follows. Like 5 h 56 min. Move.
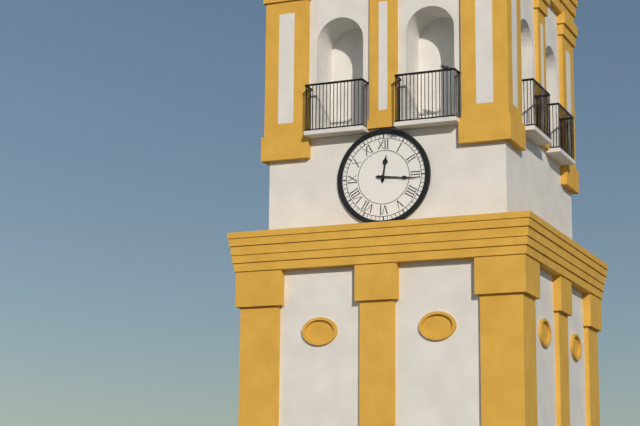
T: 12 h 16 min
